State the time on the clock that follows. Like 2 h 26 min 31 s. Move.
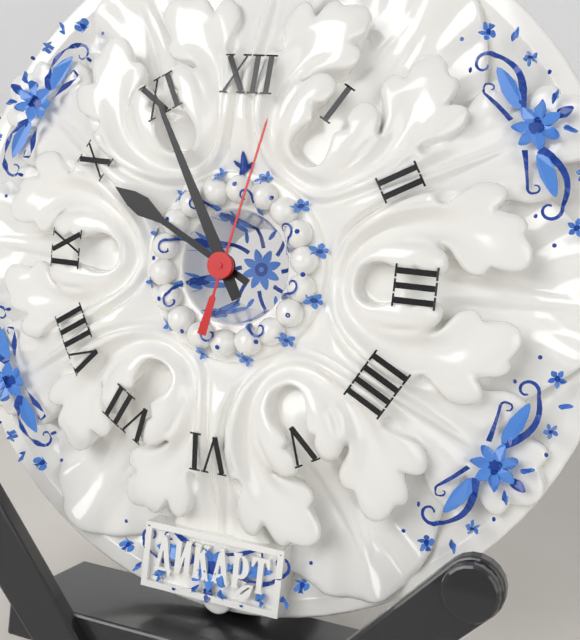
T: 9 h 55 min 02 s
